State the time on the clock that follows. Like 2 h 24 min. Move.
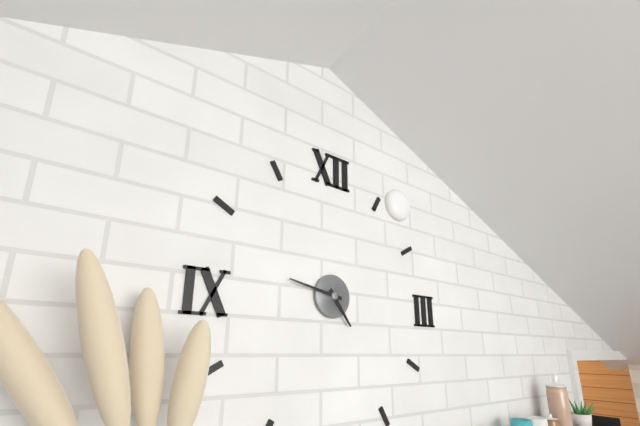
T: 4 h 47 min
